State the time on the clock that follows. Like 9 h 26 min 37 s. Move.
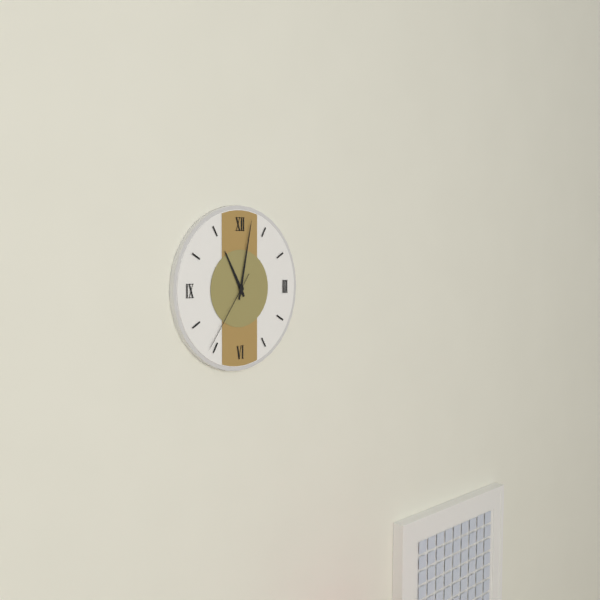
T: 11 h 02 min 36 s
